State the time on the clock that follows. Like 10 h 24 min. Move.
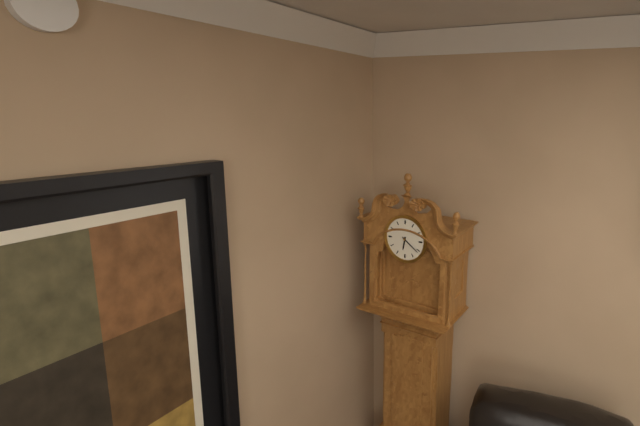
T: 6 h 21 min
